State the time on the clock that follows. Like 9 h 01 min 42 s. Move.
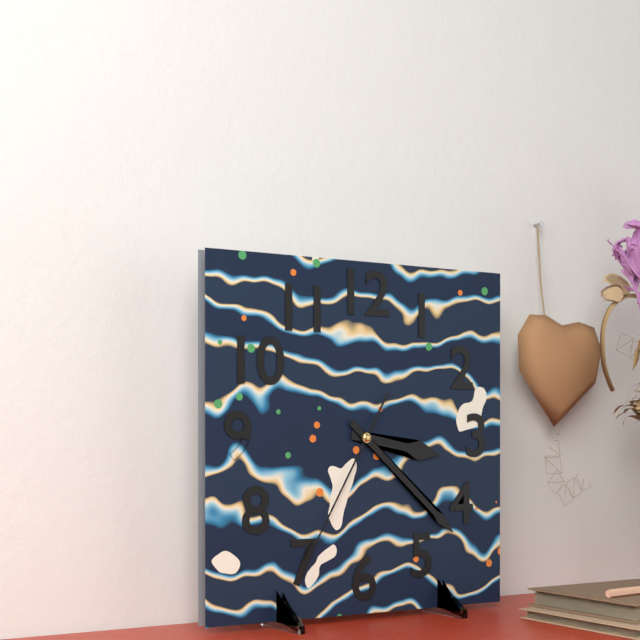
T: 3 h 22 min 35 s
